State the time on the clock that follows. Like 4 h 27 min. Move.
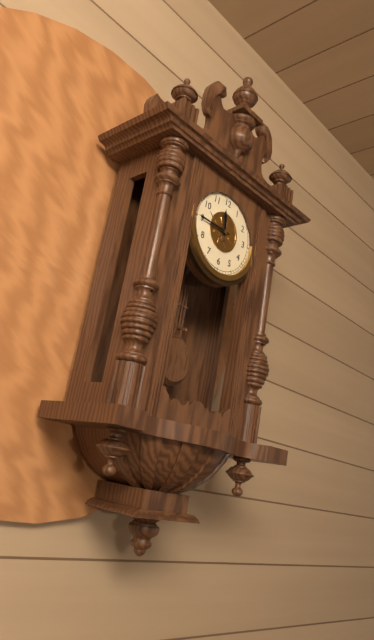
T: 11 h 45 min
